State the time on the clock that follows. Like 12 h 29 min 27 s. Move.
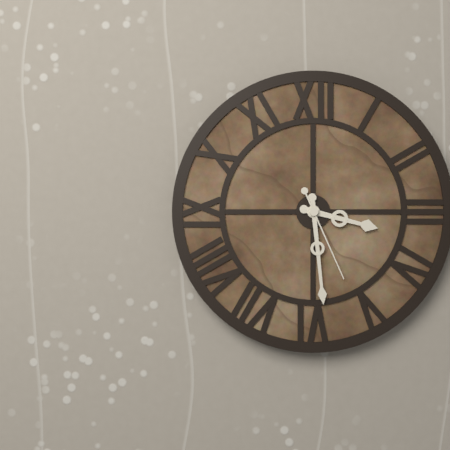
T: 3 h 29 min 26 s
